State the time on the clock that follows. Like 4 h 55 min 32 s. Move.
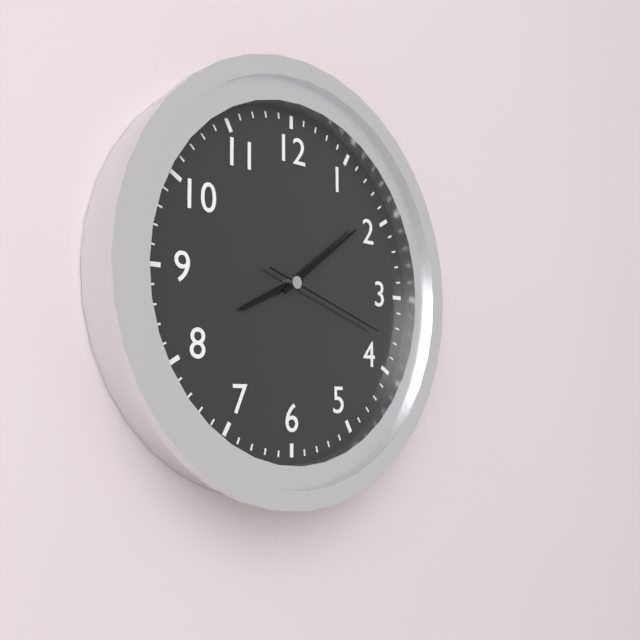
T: 8 h 09 min 18 s
